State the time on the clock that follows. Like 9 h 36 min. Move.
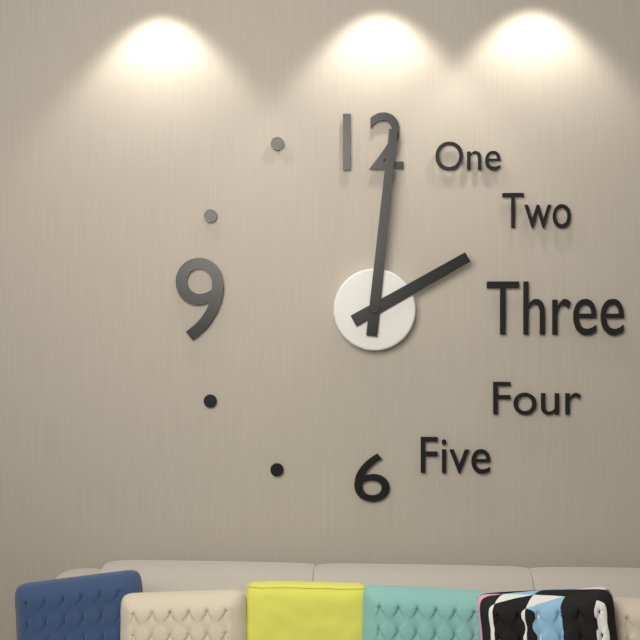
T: 2 h 01 min
